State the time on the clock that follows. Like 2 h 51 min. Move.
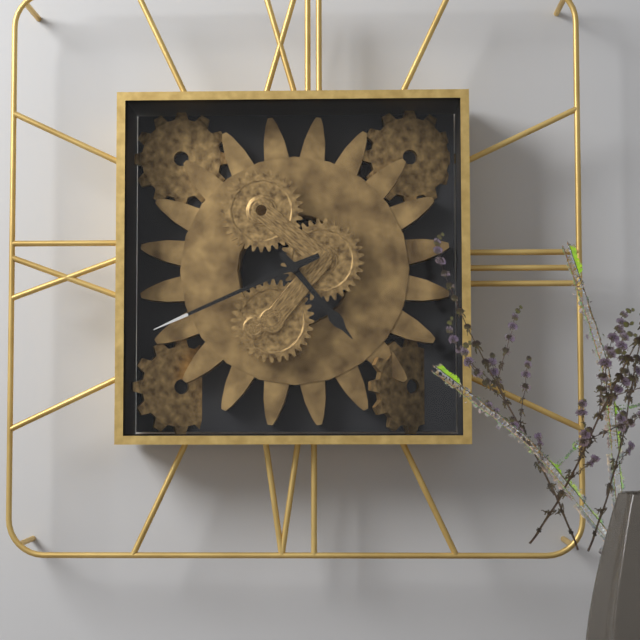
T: 4 h 41 min
